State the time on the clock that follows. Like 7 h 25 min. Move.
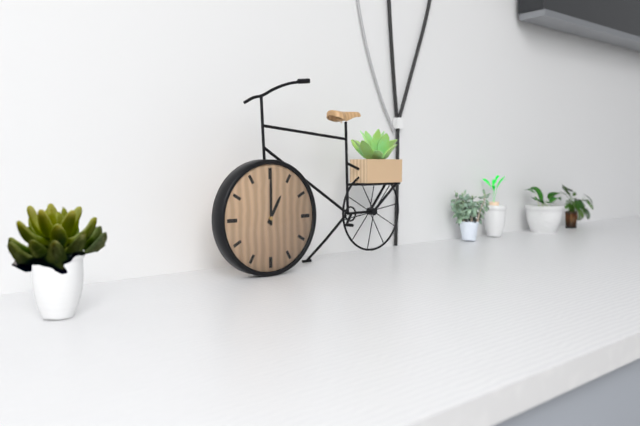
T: 1 h 00 min
